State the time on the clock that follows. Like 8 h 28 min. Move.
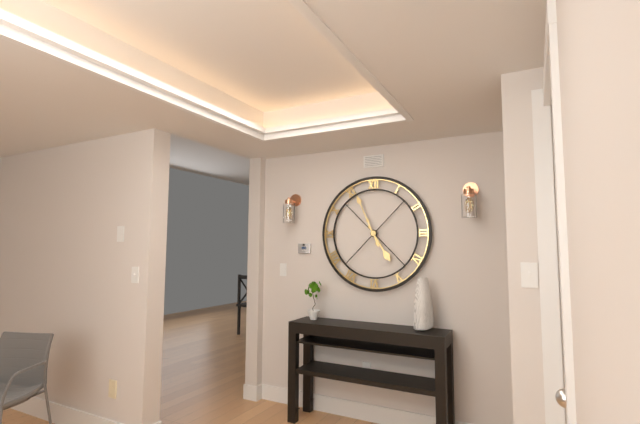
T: 4 h 56 min
